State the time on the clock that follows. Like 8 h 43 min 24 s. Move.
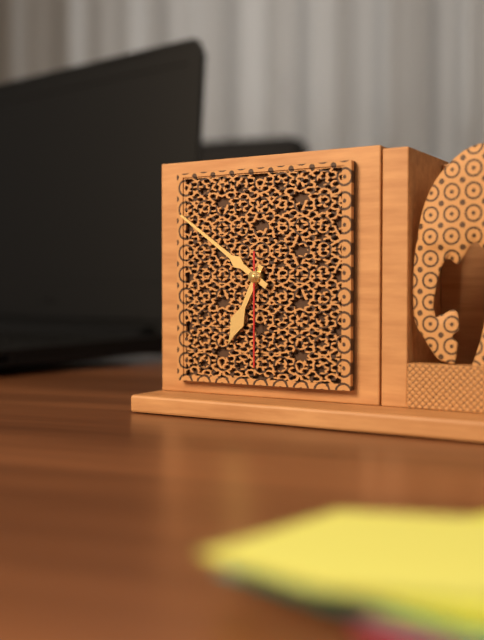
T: 6 h 51 min 30 s
